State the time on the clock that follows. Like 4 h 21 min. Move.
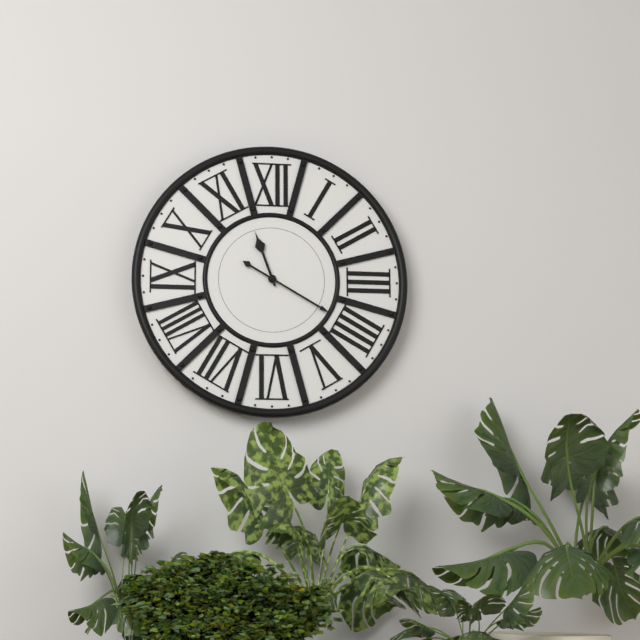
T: 11 h 20 min
